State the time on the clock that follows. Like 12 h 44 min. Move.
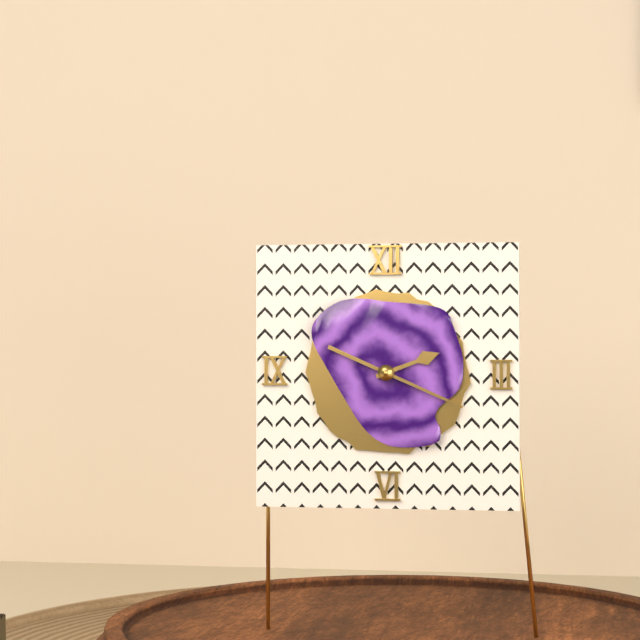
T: 2 h 19 min
